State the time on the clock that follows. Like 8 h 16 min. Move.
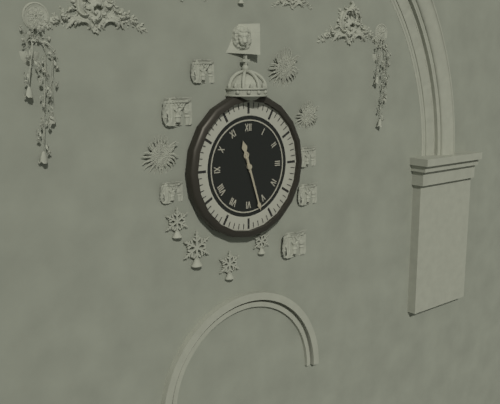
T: 11 h 27 min
